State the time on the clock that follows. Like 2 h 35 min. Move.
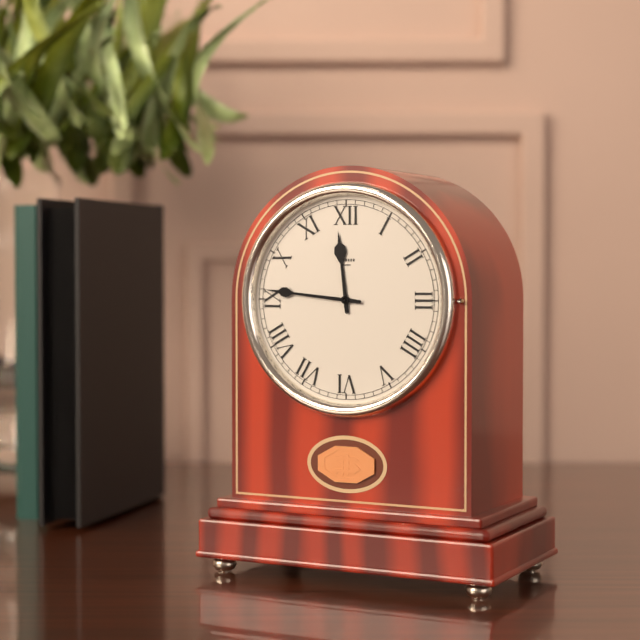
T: 11 h 46 min
